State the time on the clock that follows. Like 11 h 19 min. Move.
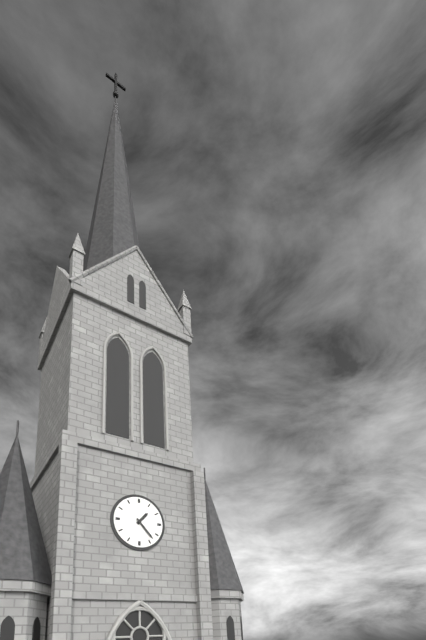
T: 1 h 23 min
